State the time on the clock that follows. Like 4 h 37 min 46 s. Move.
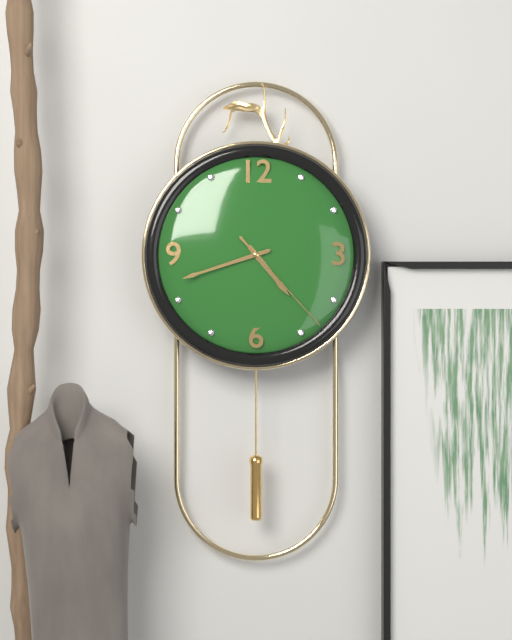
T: 4 h 42 min 23 s
